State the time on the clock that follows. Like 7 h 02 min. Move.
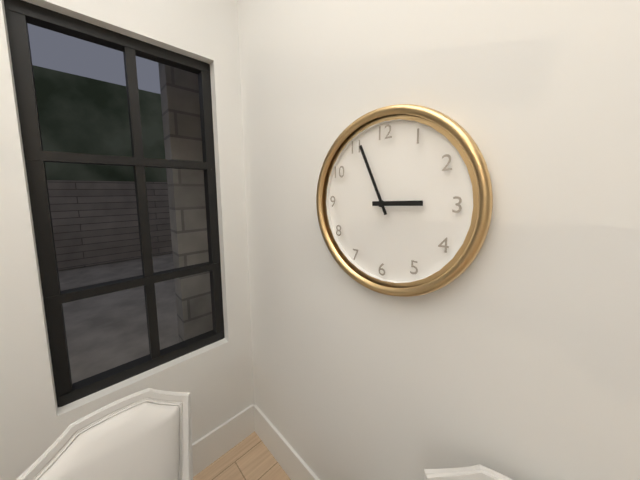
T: 2 h 56 min
